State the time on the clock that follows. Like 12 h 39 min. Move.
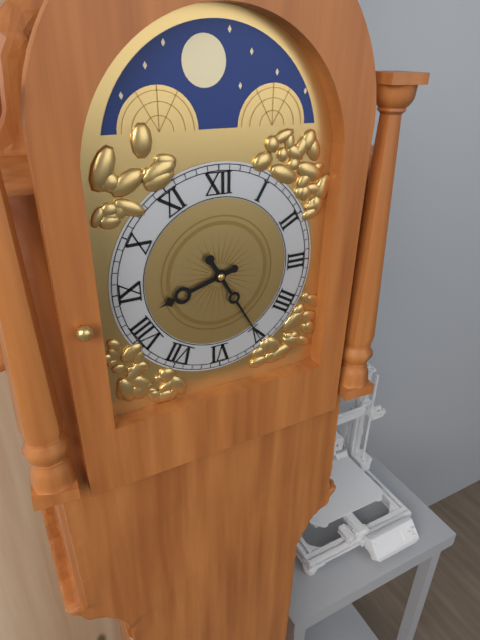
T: 8 h 25 min
